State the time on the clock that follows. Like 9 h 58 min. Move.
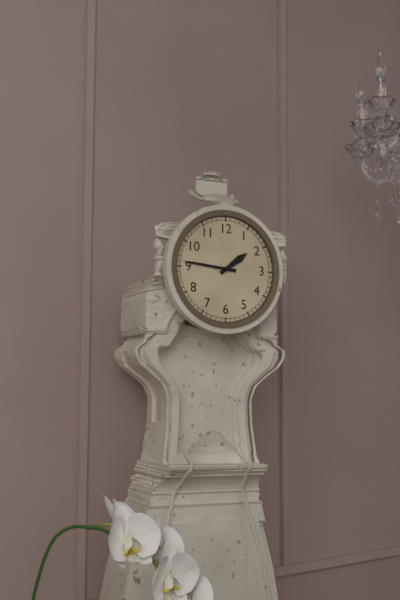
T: 1 h 46 min
